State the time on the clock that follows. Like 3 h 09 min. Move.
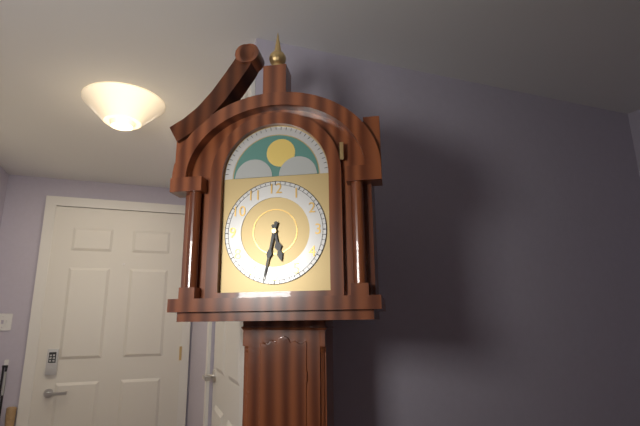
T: 5 h 32 min
